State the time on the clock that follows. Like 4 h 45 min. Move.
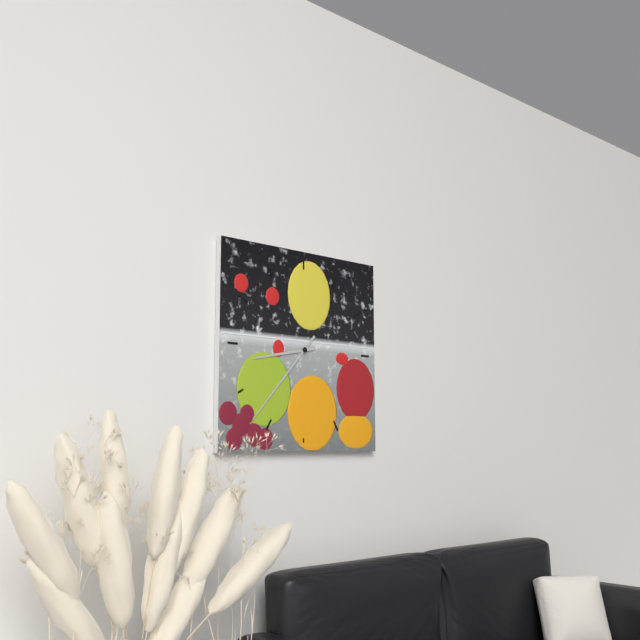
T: 8 h 37 min
